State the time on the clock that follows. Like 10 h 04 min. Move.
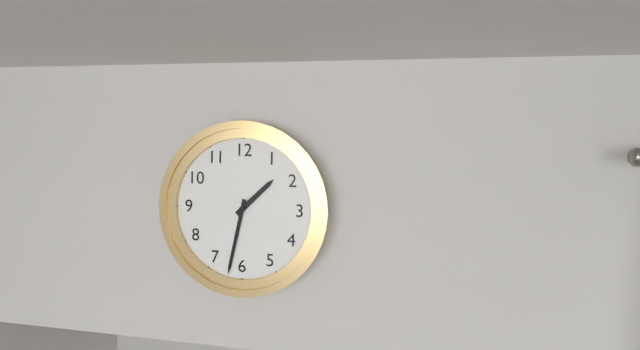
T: 1 h 32 min
